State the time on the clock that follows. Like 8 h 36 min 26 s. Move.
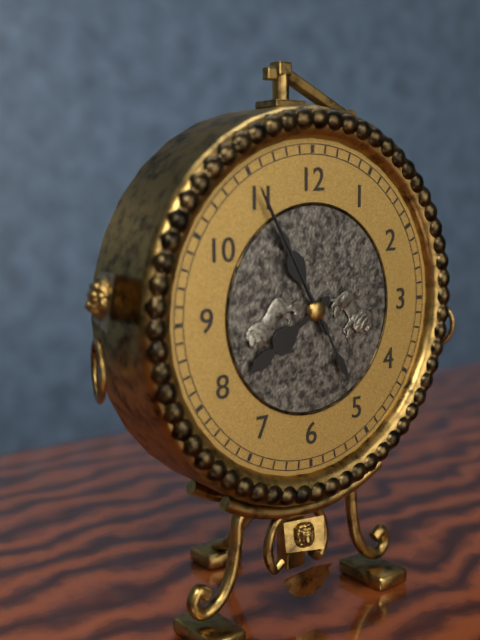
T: 7 h 55 min 55 s
